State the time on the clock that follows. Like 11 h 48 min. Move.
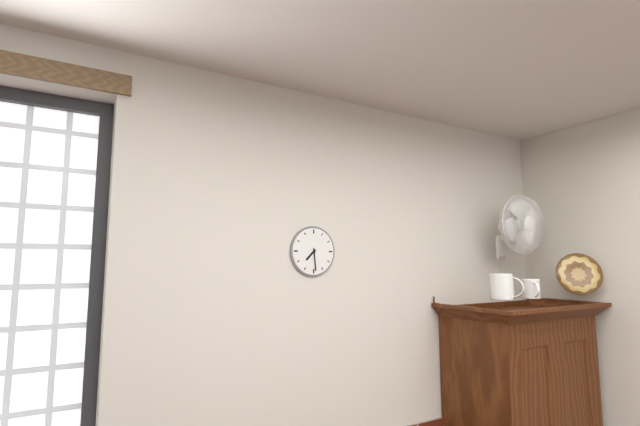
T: 7 h 29 min
